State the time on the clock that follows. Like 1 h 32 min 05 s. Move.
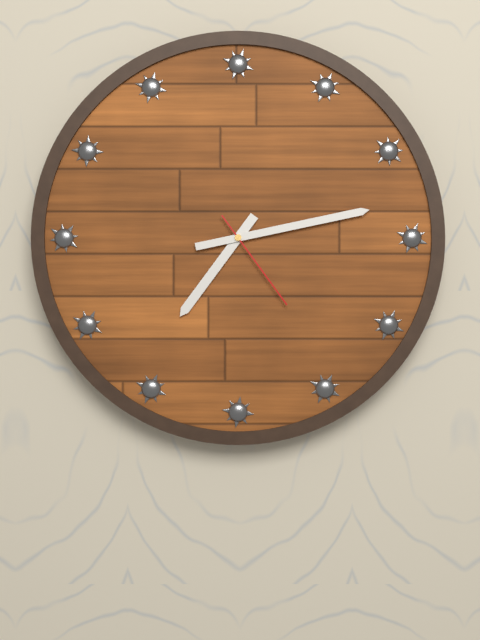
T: 7 h 13 min 24 s
